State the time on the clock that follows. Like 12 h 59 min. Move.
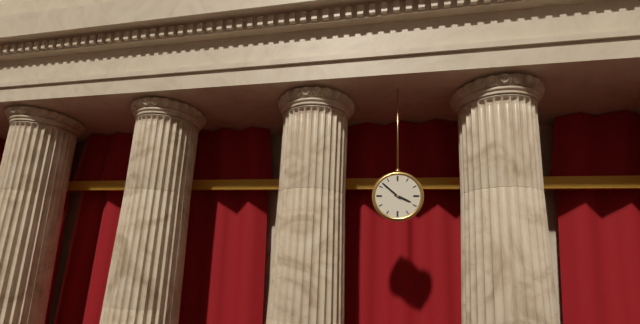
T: 3 h 52 min
